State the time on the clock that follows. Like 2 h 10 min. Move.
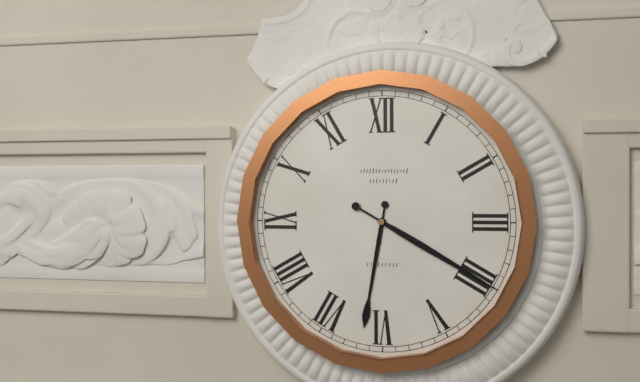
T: 6 h 20 min
